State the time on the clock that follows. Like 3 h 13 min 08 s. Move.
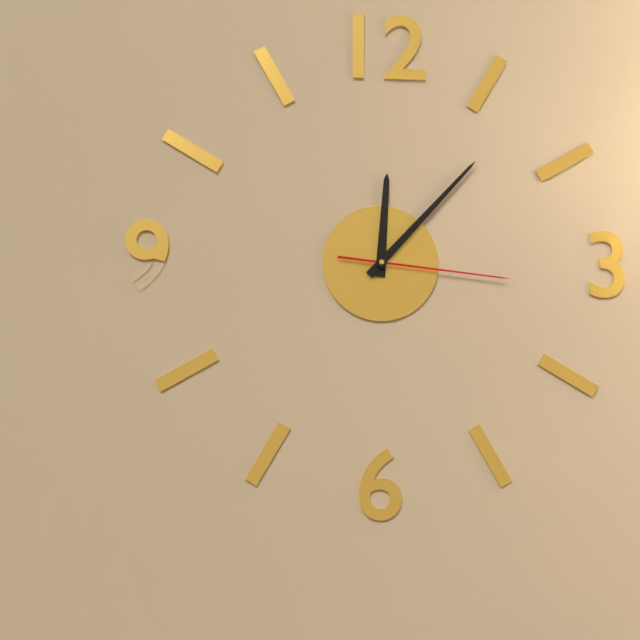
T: 12 h 07 min 16 s
